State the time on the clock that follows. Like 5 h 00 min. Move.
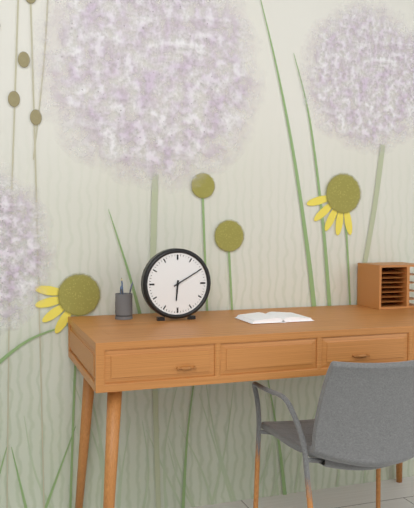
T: 6 h 10 min
